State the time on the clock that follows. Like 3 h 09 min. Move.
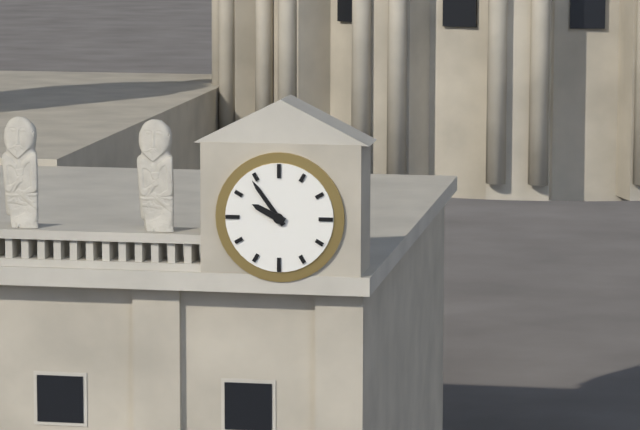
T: 9 h 54 min
